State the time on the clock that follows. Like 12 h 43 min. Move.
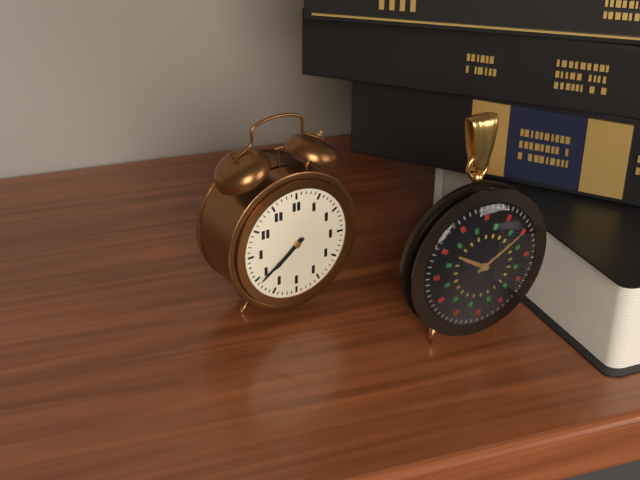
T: 7 h 39 min
